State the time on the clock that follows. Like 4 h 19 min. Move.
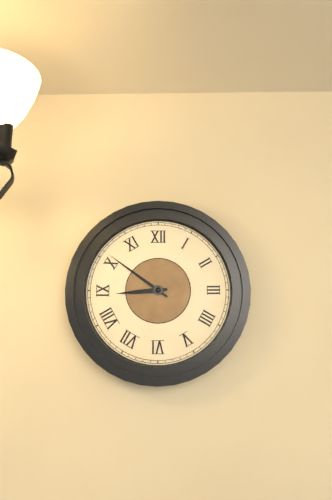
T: 8 h 51 min
